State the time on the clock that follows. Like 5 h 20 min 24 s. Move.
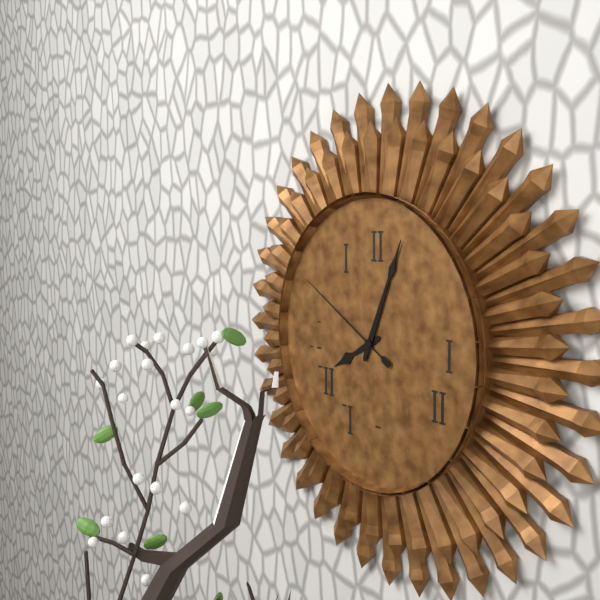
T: 8 h 04 min 50 s
